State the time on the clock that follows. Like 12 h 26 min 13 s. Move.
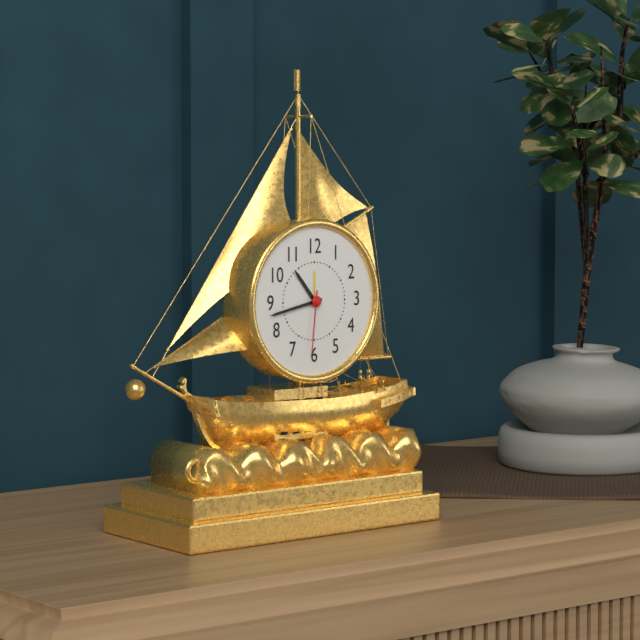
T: 10 h 43 min 31 s
